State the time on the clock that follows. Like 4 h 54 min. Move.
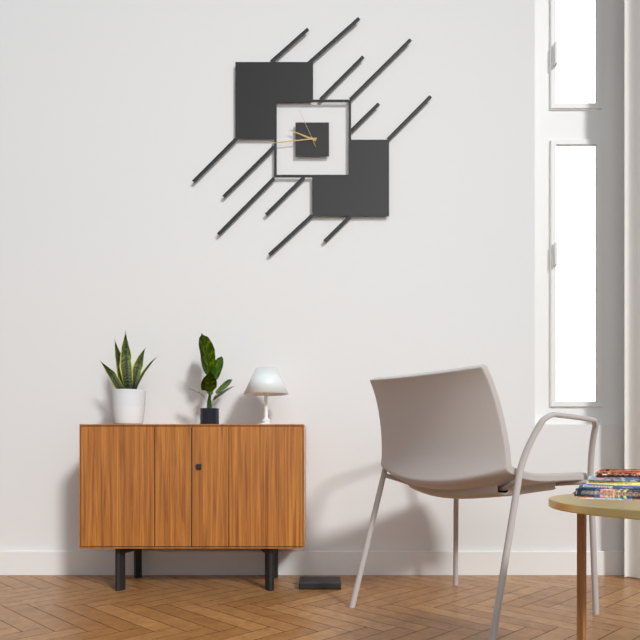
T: 9 h 44 min
